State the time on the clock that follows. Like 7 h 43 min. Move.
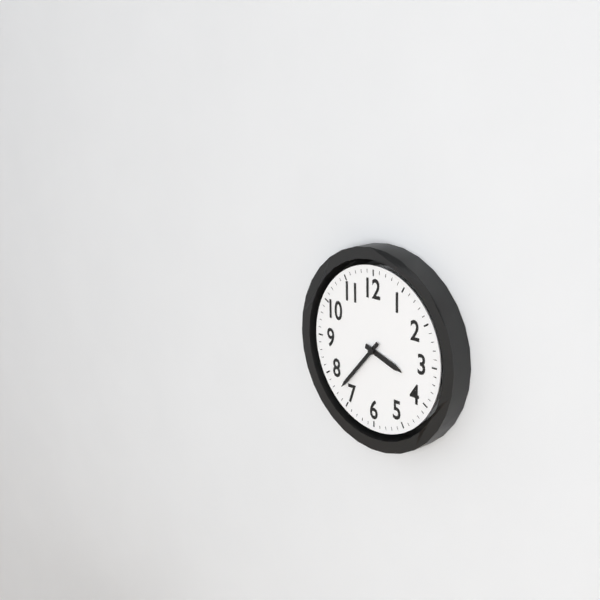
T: 3 h 37 min
